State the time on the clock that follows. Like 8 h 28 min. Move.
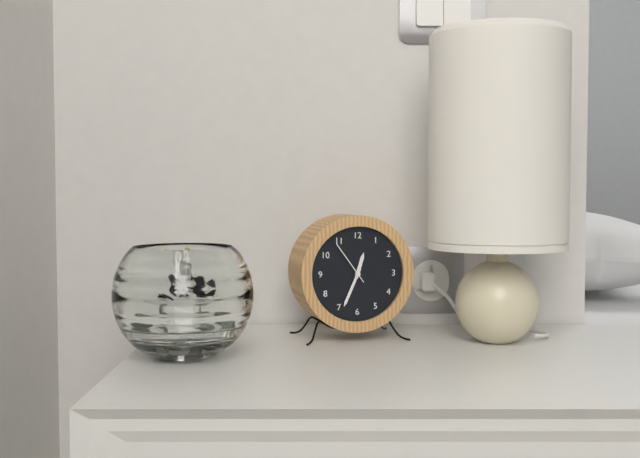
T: 12 h 34 min
